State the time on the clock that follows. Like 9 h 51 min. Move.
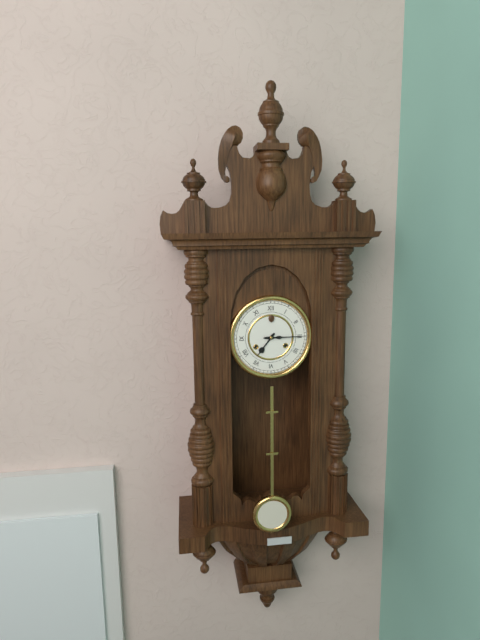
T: 7 h 15 min
